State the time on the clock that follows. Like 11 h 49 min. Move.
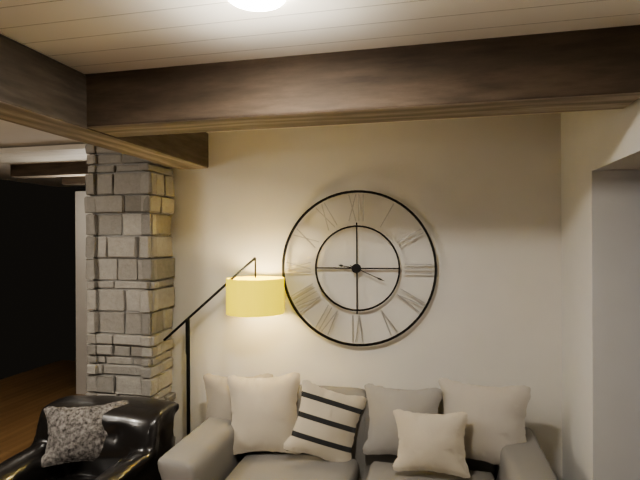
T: 9 h 19 min
